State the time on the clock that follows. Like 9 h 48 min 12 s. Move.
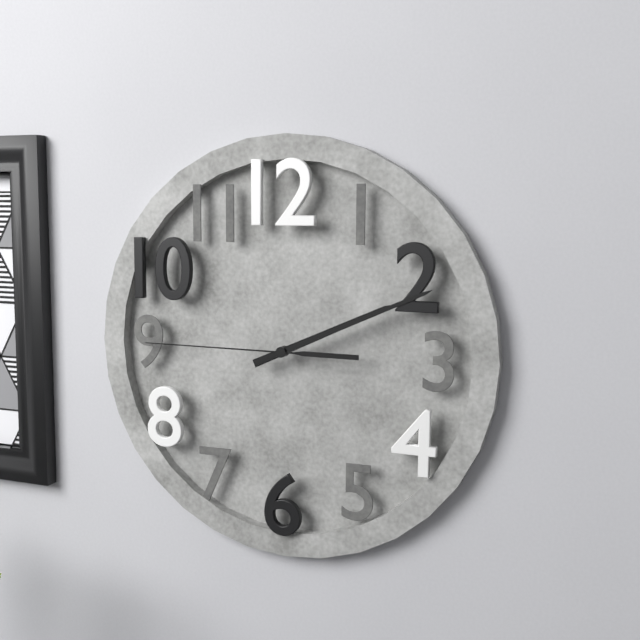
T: 2 h 11 min 45 s
